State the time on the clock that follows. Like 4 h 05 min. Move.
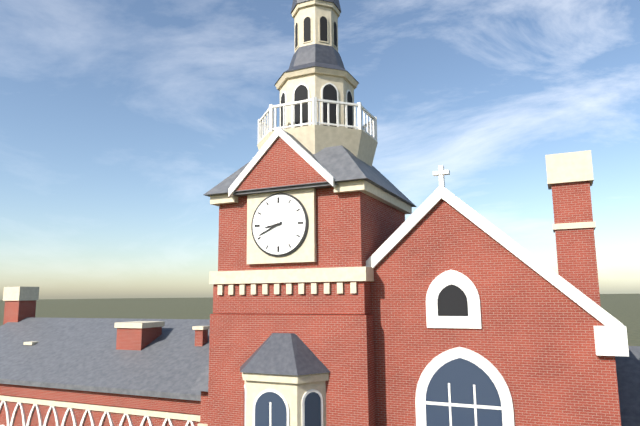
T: 8 h 41 min
